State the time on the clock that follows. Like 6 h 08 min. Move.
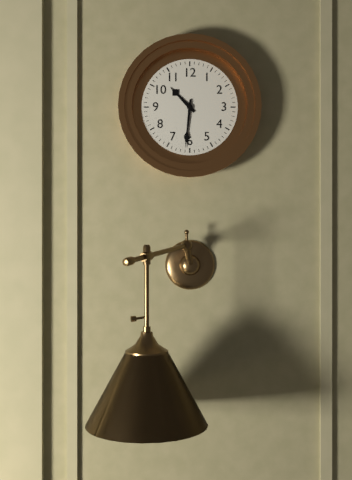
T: 10 h 31 min
